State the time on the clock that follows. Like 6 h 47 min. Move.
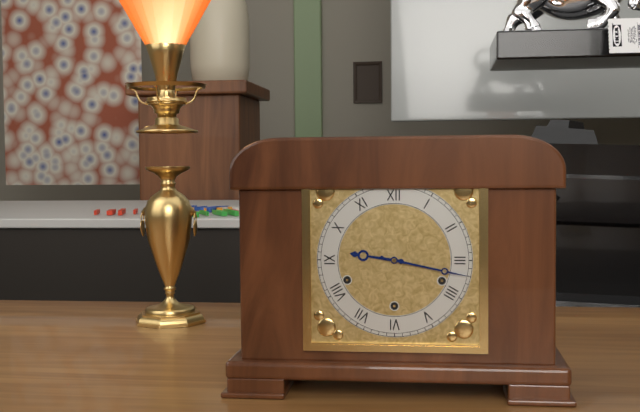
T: 9 h 17 min
